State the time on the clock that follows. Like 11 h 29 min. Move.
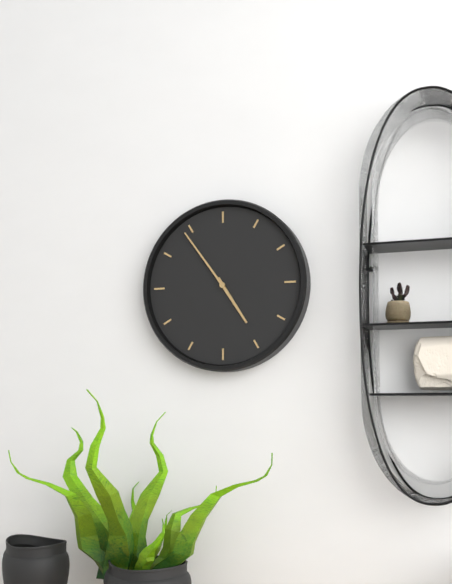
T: 4 h 54 min
